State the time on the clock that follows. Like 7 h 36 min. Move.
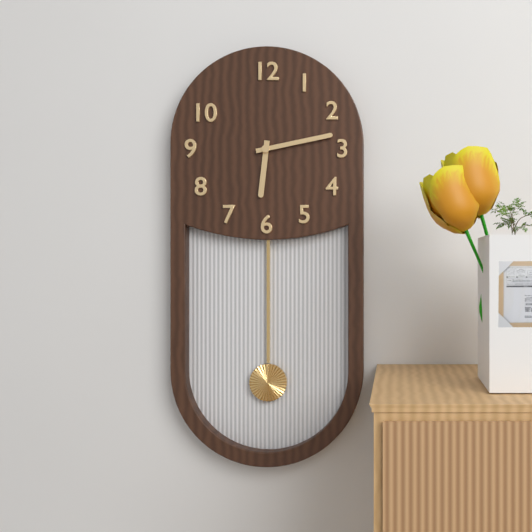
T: 6 h 13 min
